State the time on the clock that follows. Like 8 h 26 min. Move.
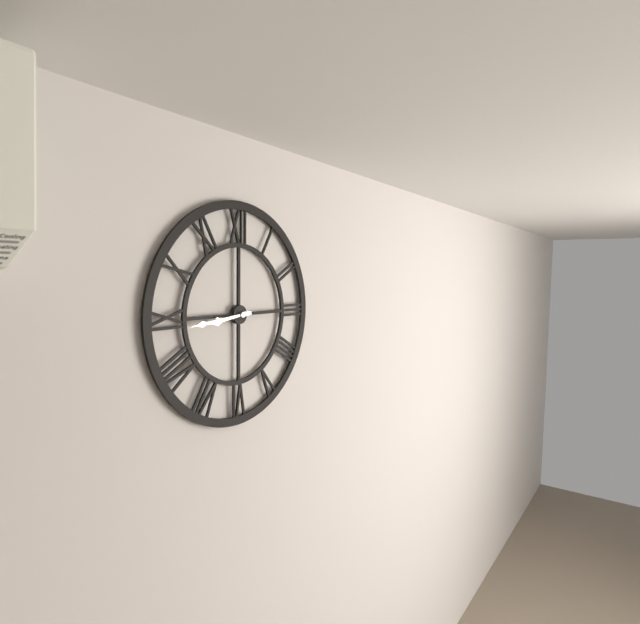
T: 8 h 44 min
